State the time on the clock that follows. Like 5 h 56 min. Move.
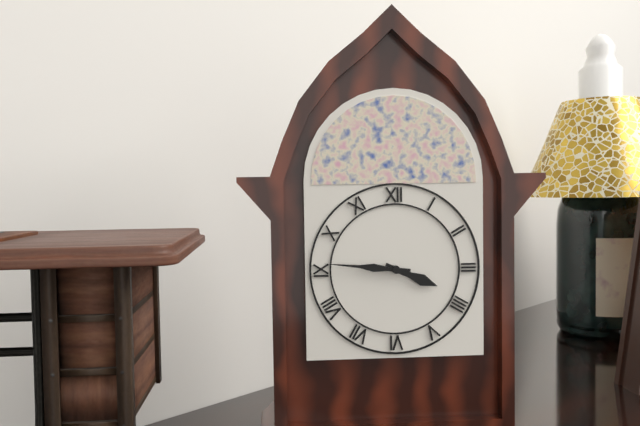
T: 3 h 46 min
